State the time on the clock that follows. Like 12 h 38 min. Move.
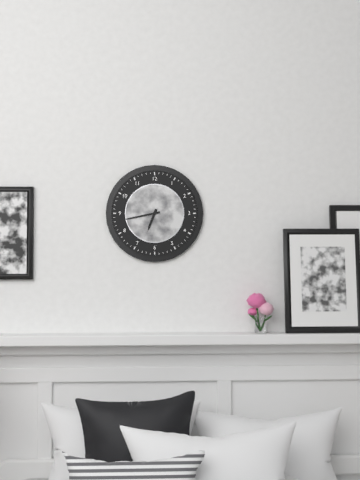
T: 6 h 43 min
